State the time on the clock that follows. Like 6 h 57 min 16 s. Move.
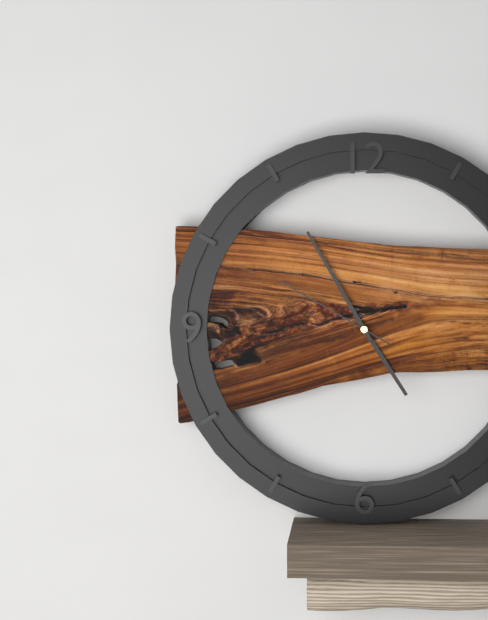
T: 4 h 55 min 50 s
